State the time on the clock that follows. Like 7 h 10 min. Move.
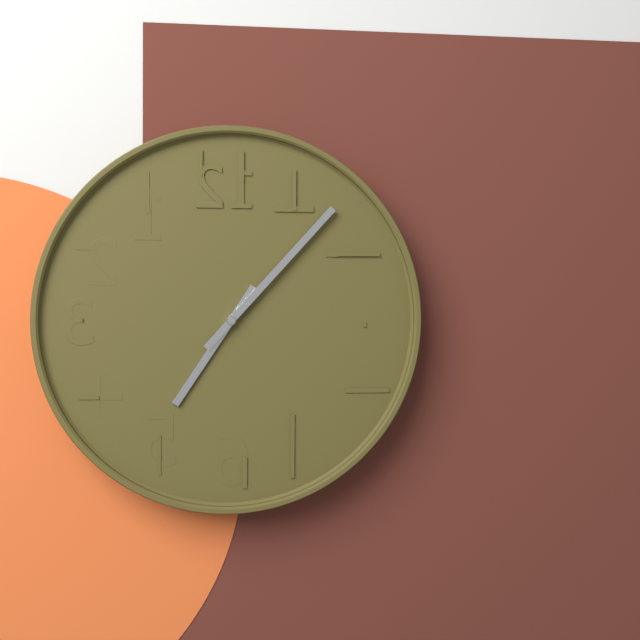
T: 7 h 07 min
